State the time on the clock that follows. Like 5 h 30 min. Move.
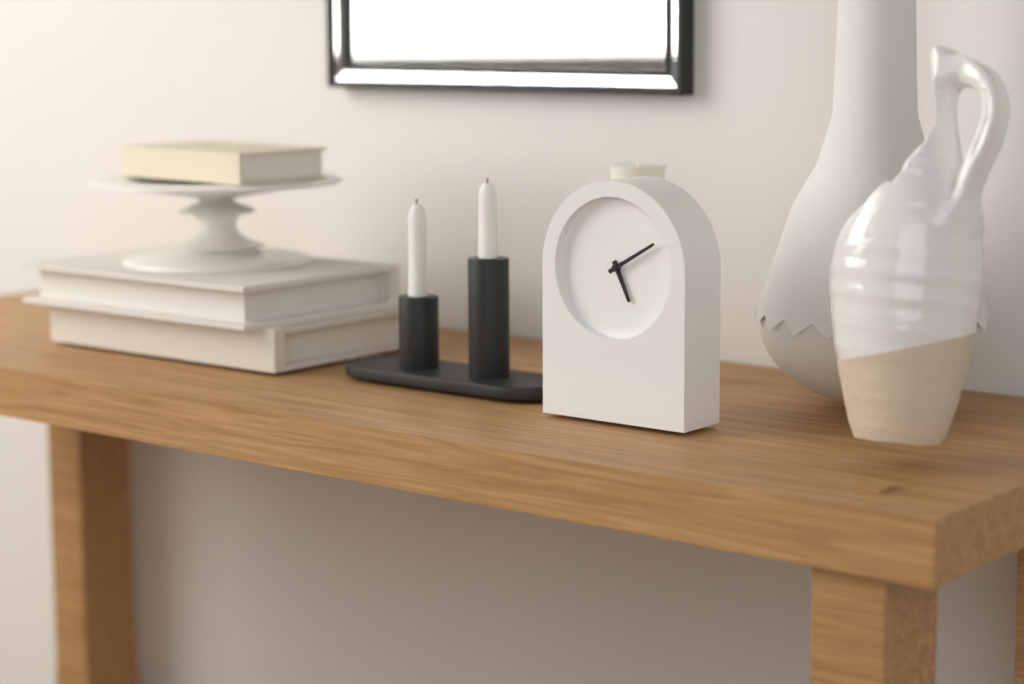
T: 5 h 10 min
